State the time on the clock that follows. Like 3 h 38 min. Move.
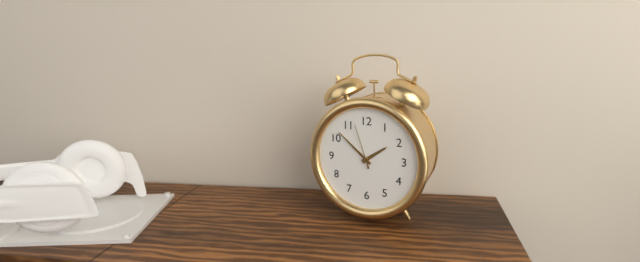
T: 1 h 52 min
